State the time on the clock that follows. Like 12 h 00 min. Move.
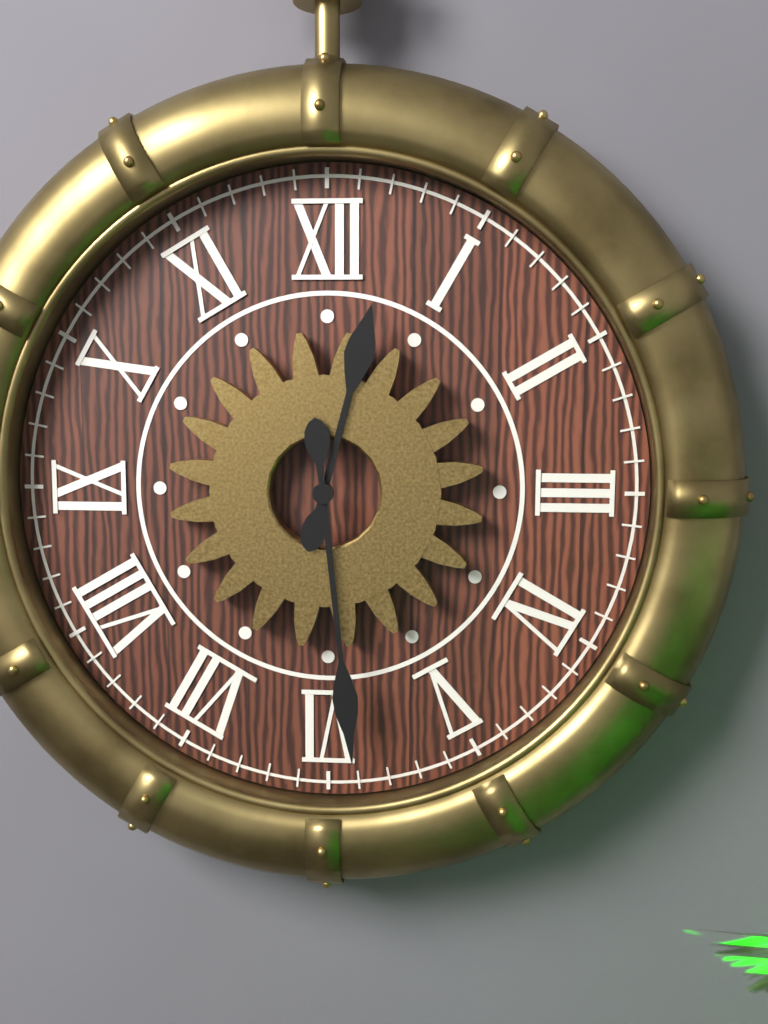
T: 12 h 29 min
